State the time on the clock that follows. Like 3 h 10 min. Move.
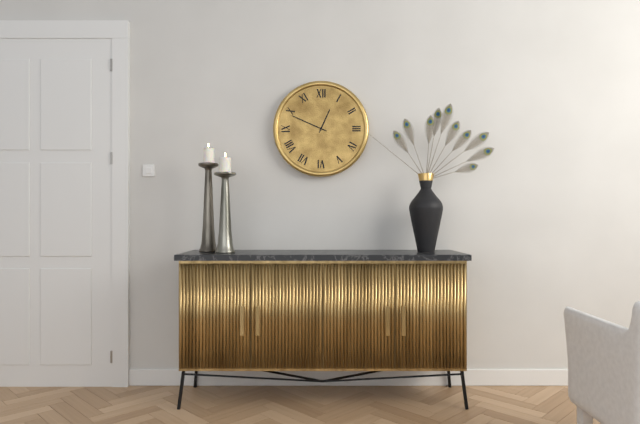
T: 12 h 49 min
